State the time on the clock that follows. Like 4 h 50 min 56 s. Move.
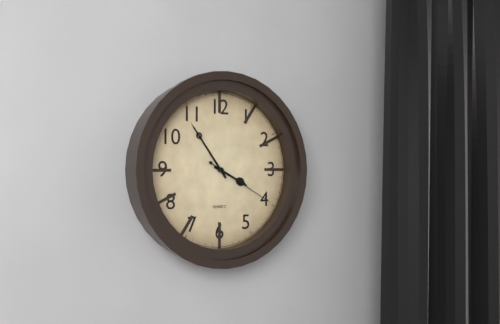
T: 3 h 54 min 20 s
